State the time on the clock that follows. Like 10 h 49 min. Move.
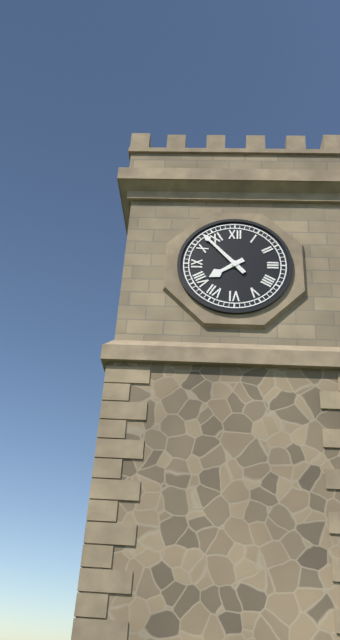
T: 7 h 53 min
